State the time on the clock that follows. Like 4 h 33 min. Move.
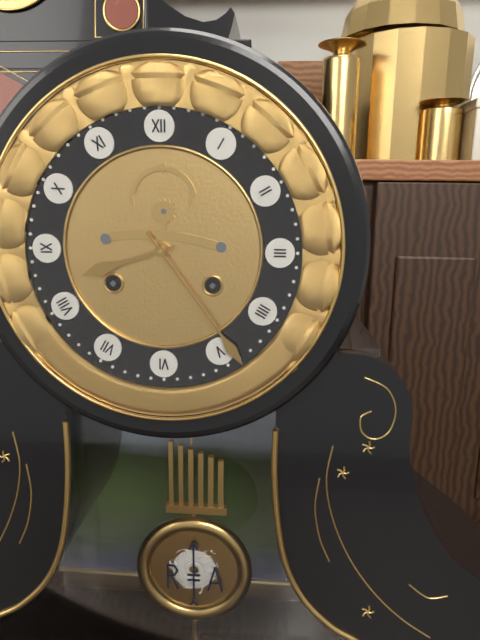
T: 8 h 24 min
